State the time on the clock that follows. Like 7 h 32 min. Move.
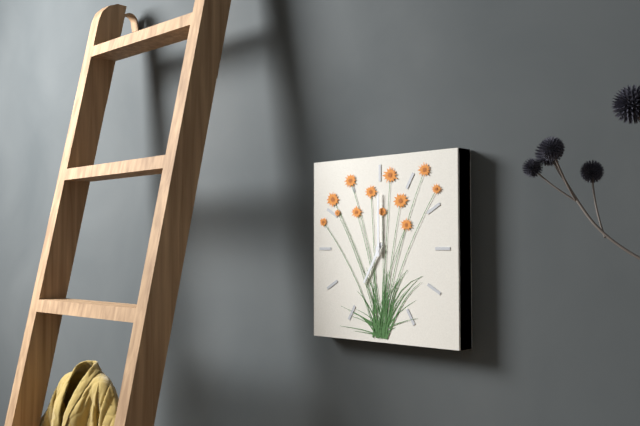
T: 7 h 00 min
